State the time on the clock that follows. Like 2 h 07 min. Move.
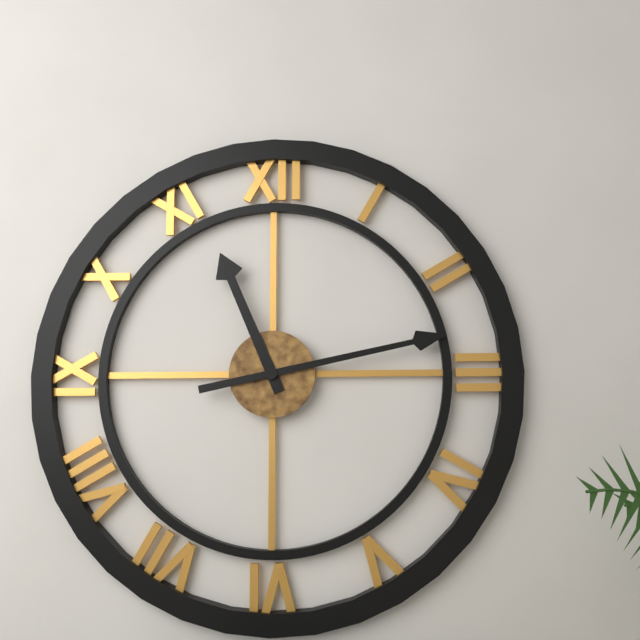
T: 11 h 13 min
